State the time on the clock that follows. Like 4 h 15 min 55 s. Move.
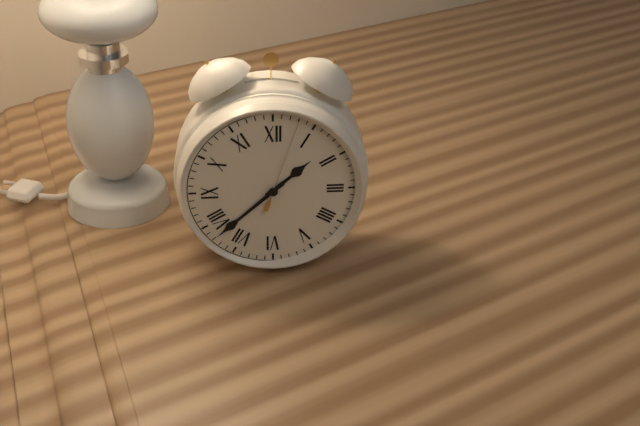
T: 1 h 38 min 03 s
